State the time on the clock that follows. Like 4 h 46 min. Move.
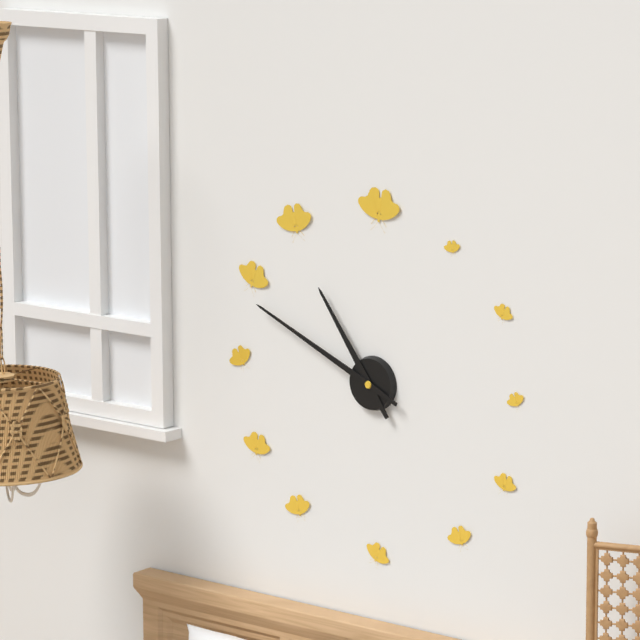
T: 10 h 49 min
